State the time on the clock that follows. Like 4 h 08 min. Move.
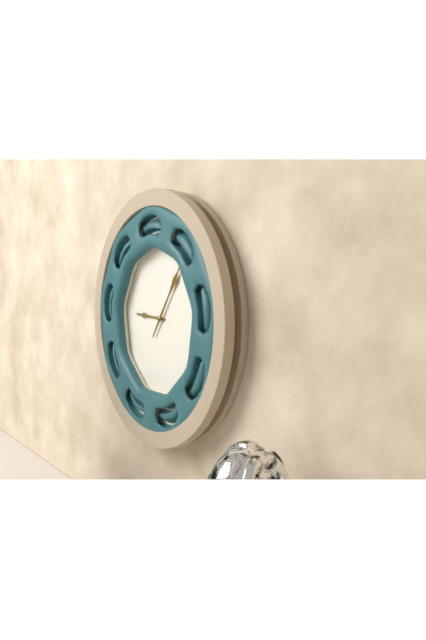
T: 9 h 06 min
